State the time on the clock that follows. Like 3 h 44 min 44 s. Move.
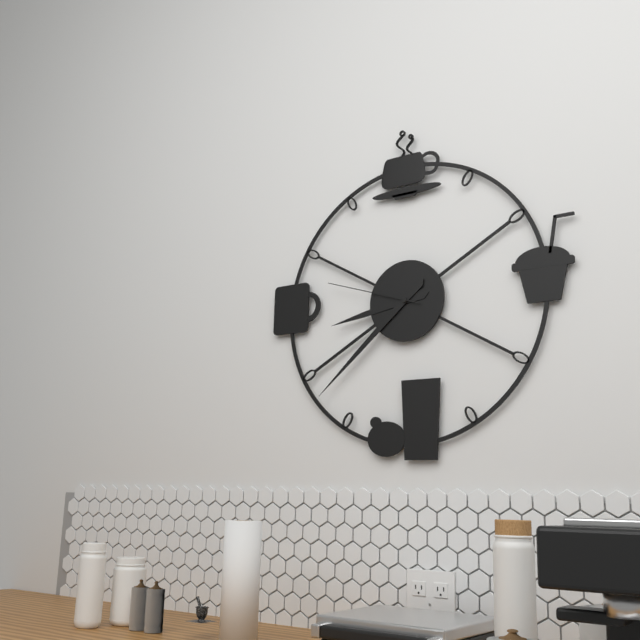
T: 8 h 38 min 48 s
